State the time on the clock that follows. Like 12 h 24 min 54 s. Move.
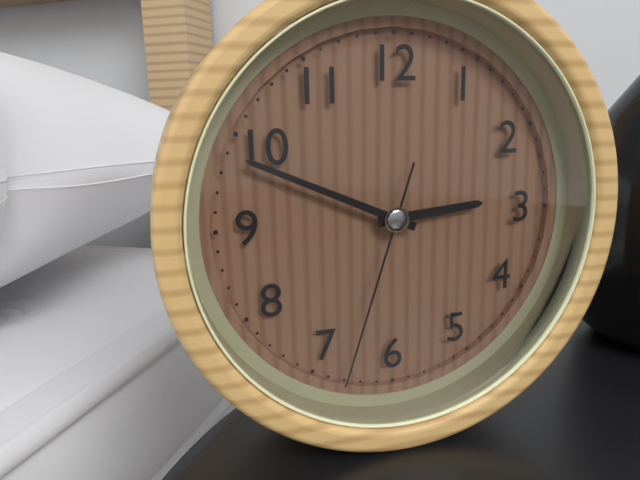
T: 2 h 49 min 33 s
